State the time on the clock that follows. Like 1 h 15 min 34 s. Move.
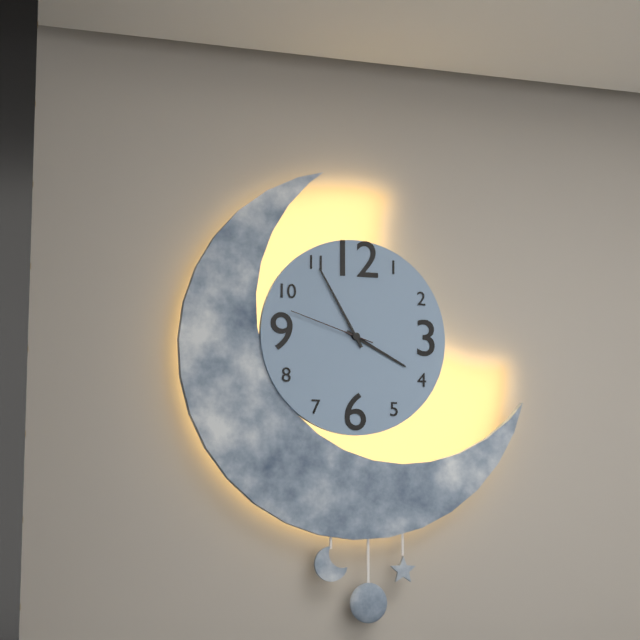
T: 3 h 55 min 48 s
